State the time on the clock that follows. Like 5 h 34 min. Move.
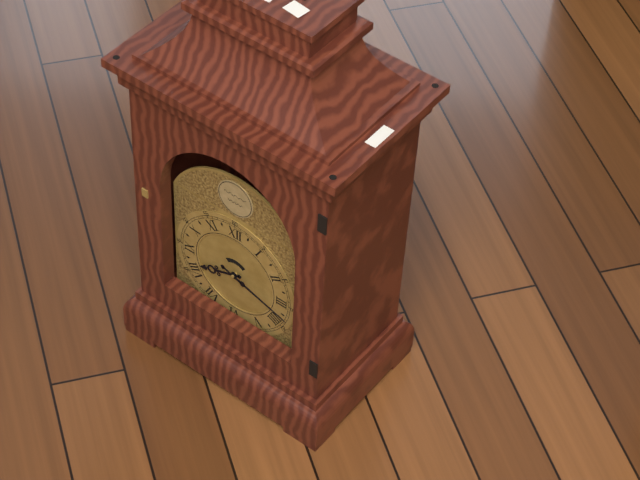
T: 8 h 18 min
